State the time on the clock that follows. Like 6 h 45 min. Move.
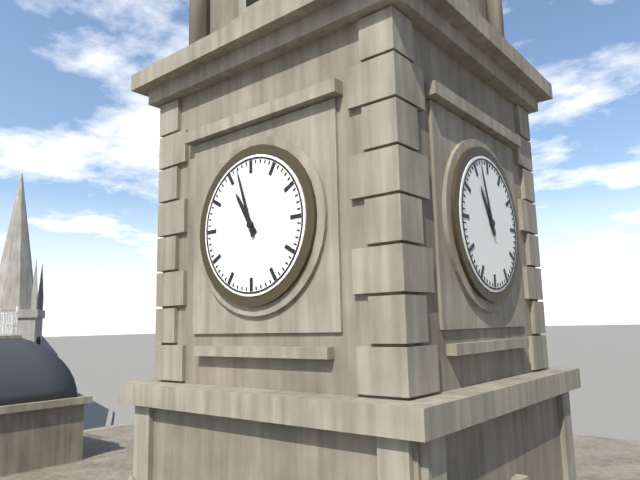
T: 10 h 57 min
